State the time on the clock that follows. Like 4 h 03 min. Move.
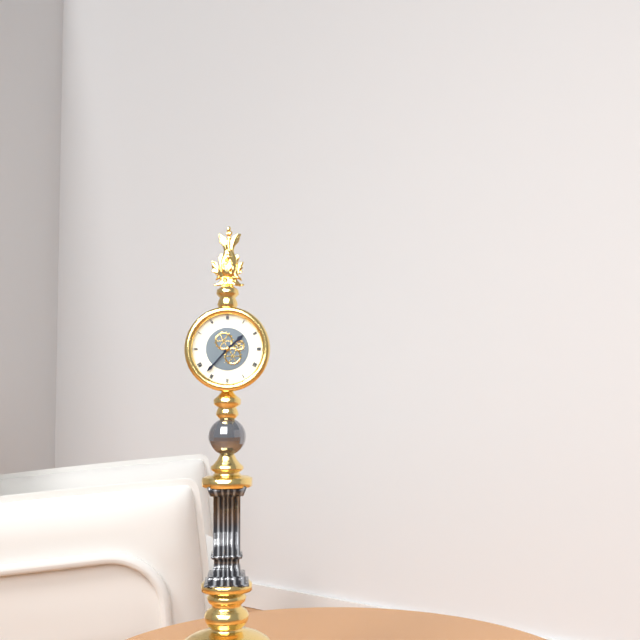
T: 1 h 37 min
